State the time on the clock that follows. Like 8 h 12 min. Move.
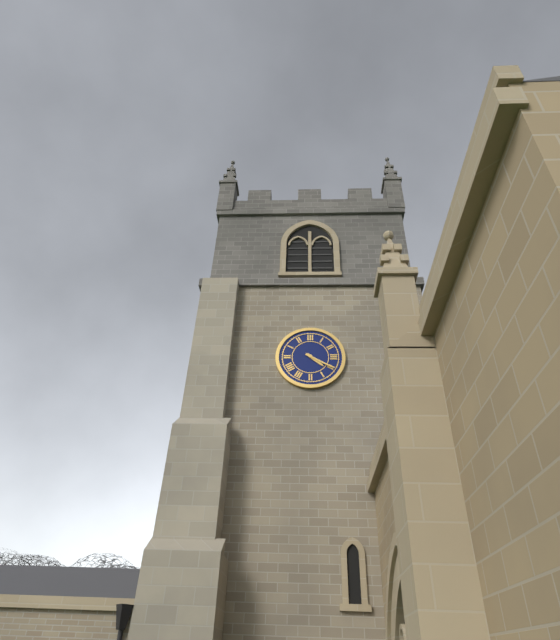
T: 4 h 20 min
